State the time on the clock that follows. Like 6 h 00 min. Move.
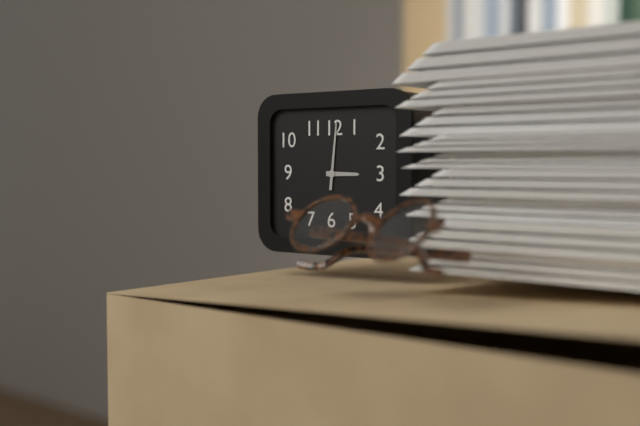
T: 3 h 01 min
